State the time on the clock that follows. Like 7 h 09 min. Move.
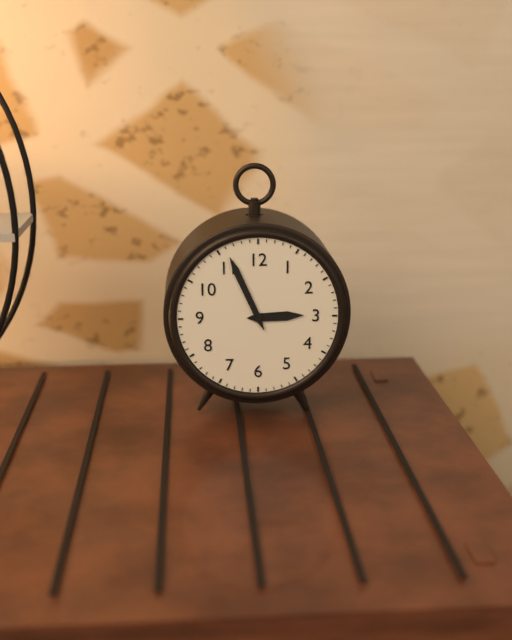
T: 2 h 56 min
